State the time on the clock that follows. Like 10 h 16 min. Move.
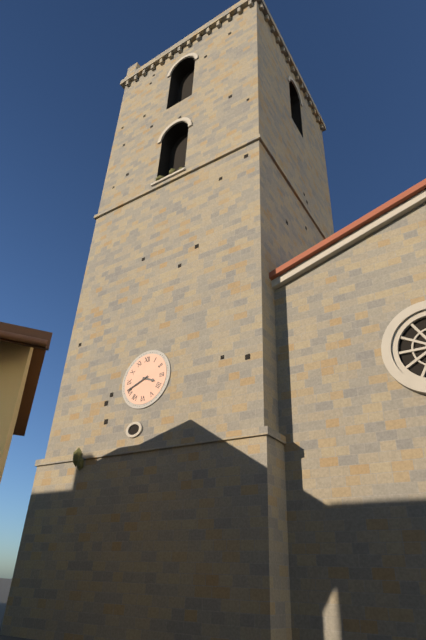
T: 3 h 41 min
